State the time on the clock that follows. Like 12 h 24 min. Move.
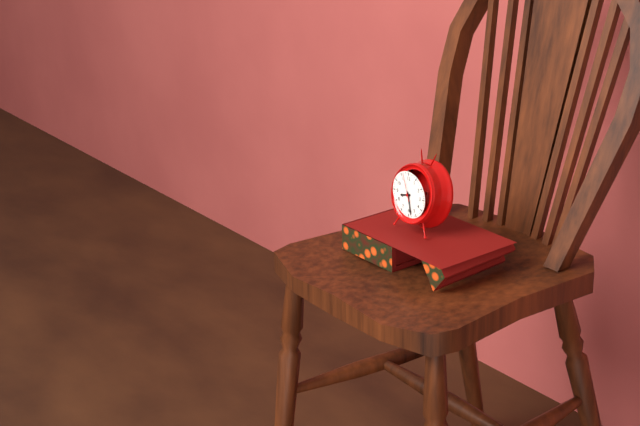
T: 8 h 28 min
